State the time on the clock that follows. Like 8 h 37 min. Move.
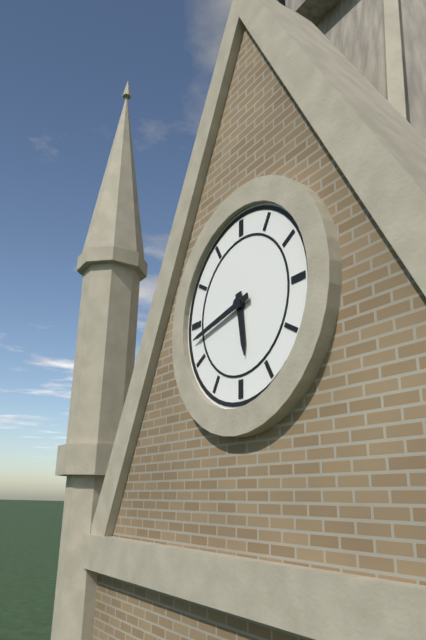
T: 5 h 43 min
